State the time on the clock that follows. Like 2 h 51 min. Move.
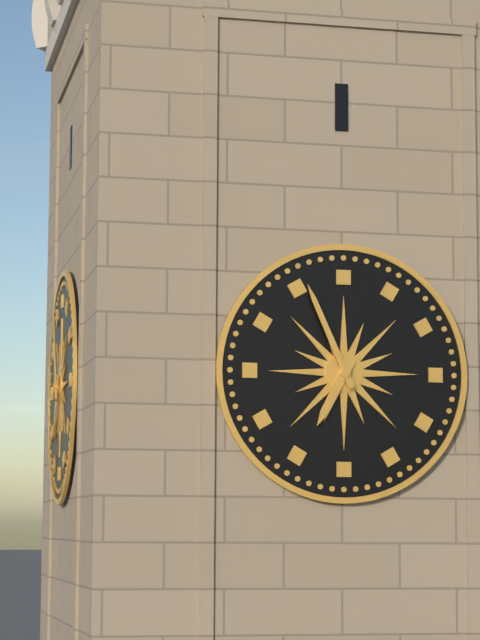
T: 6 h 56 min
